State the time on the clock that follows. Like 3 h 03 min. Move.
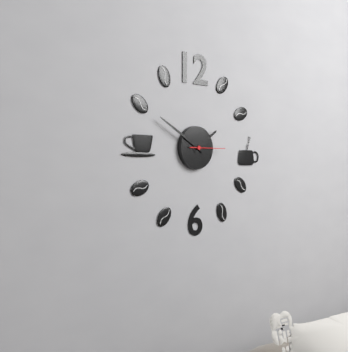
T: 1 h 50 min
